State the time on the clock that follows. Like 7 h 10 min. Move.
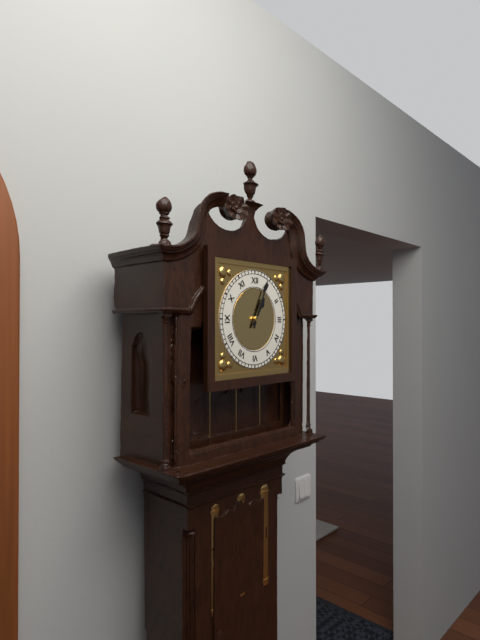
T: 1 h 04 min
